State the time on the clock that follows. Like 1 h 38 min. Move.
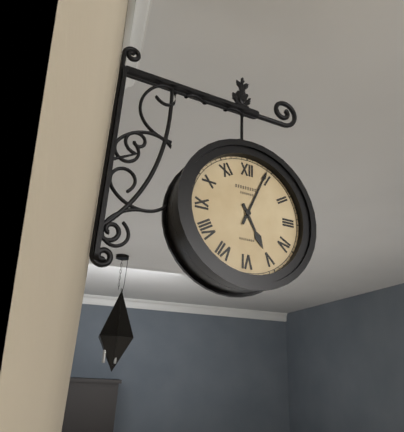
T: 5 h 04 min
